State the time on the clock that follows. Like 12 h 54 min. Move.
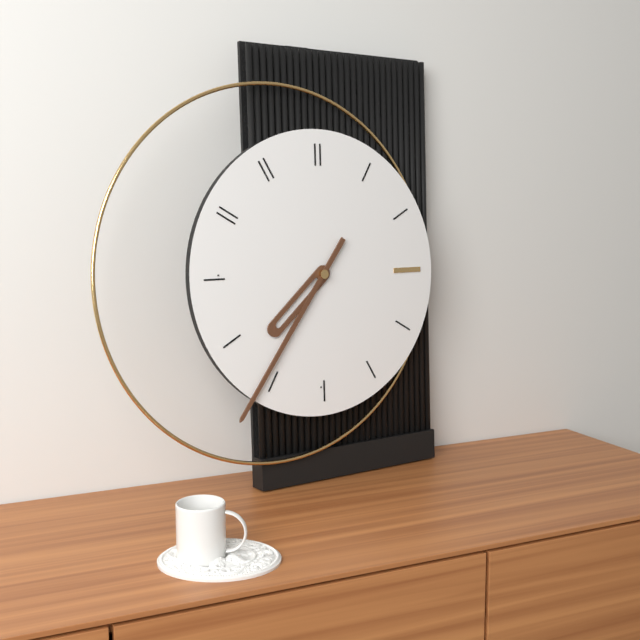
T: 7 h 36 min
